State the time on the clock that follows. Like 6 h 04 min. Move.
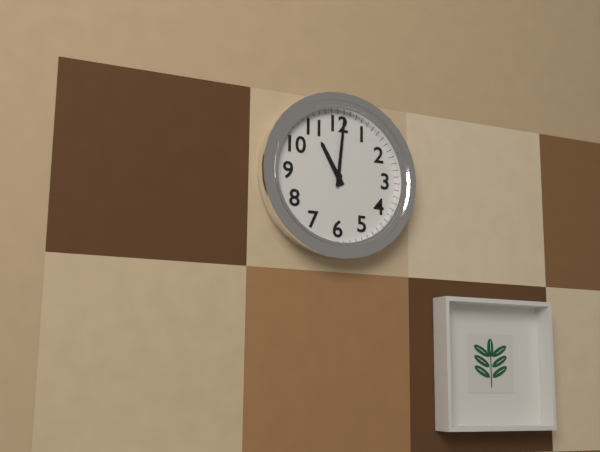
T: 11 h 01 min
